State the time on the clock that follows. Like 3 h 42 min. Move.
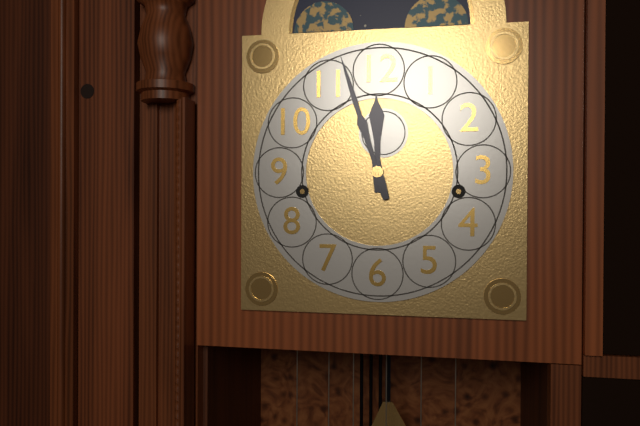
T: 11 h 57 min
